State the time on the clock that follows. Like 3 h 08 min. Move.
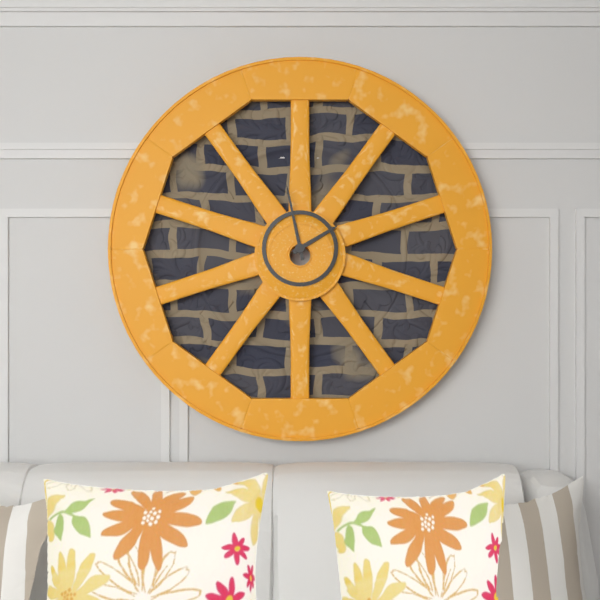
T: 1 h 58 min
